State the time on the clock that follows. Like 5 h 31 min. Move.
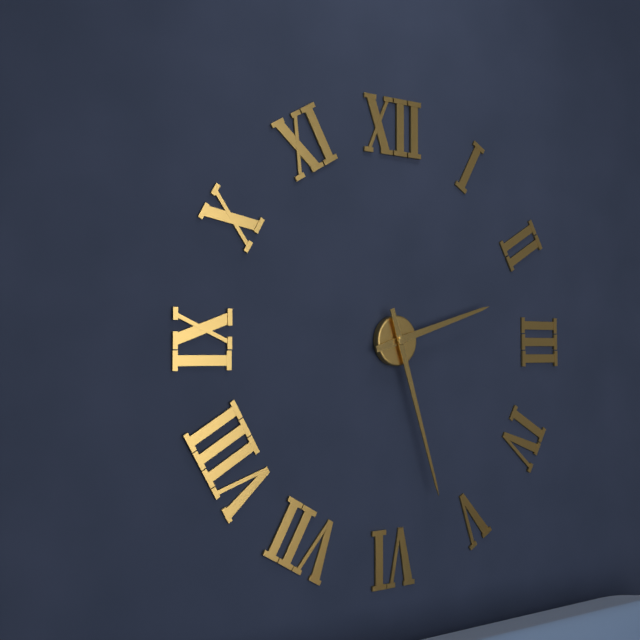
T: 2 h 27 min
